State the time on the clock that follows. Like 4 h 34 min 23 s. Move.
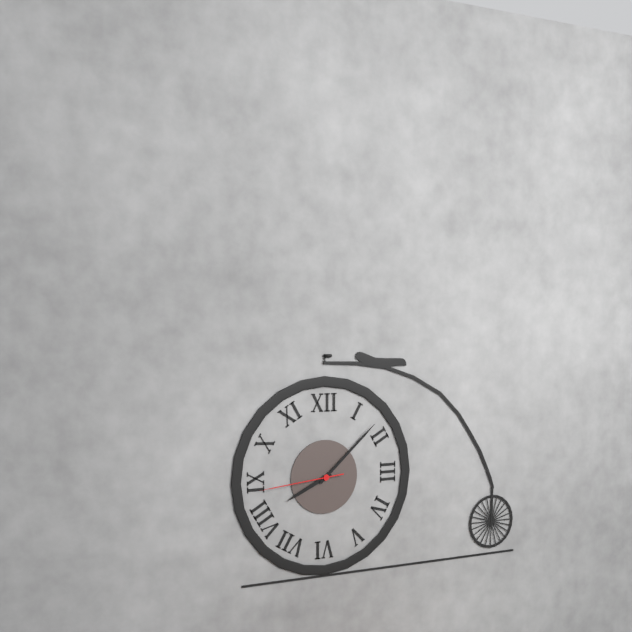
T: 8 h 08 min 44 s
